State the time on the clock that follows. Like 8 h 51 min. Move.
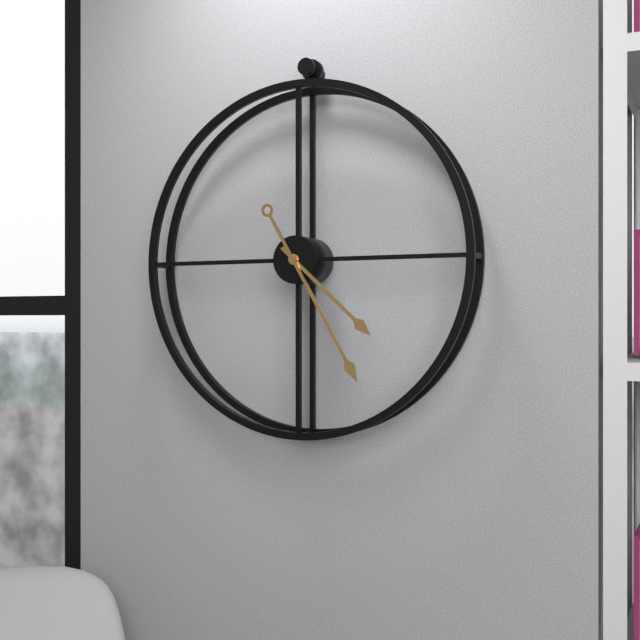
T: 4 h 25 min
